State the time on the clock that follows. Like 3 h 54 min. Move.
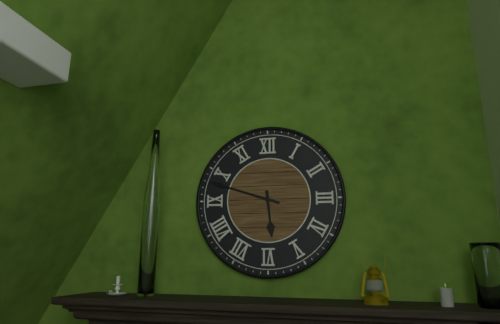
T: 5 h 48 min
